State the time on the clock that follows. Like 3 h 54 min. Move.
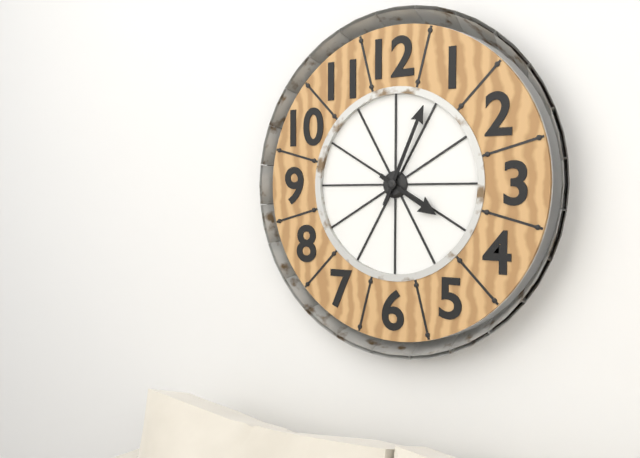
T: 4 h 04 min
